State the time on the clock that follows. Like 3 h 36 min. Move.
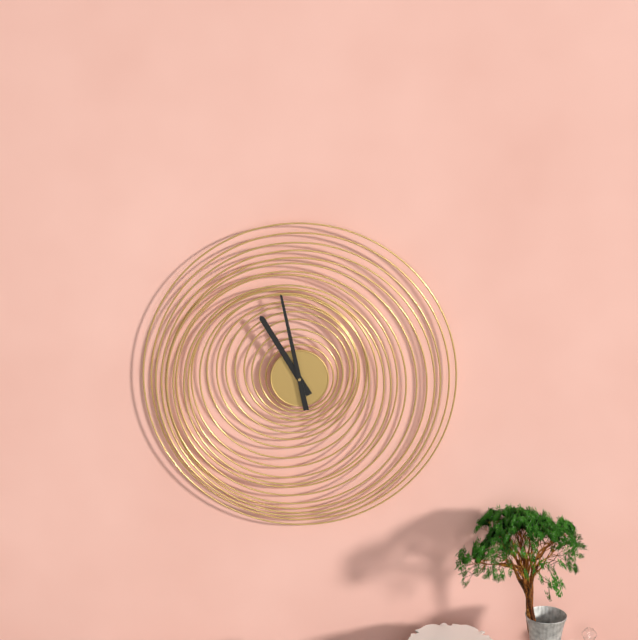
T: 10 h 58 min
